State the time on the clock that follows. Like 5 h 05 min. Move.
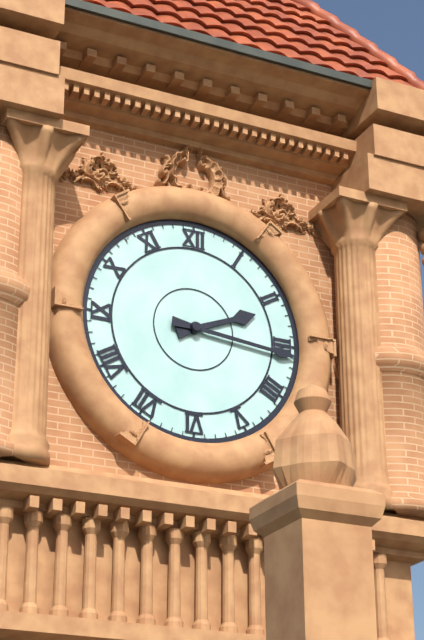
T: 2 h 16 min
